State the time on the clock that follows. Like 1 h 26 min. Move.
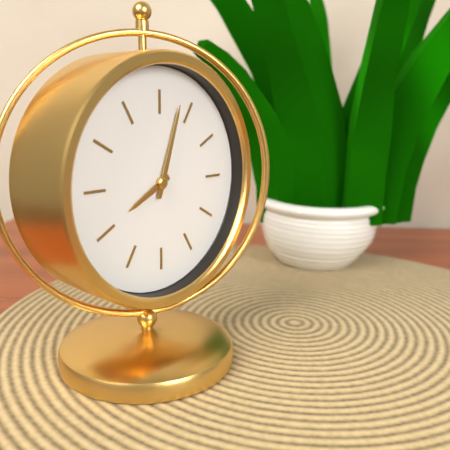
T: 8 h 03 min
